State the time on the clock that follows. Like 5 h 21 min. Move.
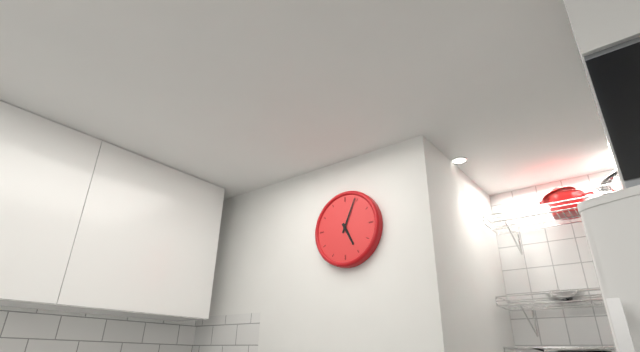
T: 5 h 04 min
